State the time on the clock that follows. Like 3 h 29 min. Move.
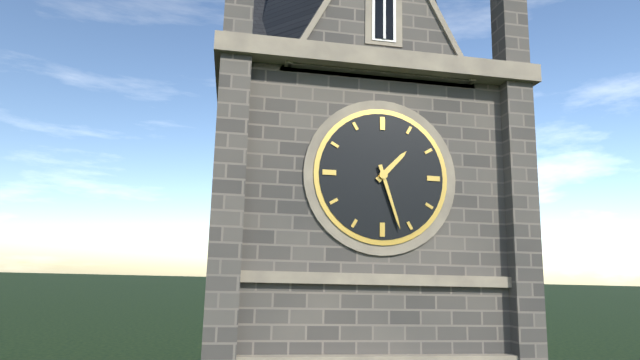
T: 1 h 27 min
